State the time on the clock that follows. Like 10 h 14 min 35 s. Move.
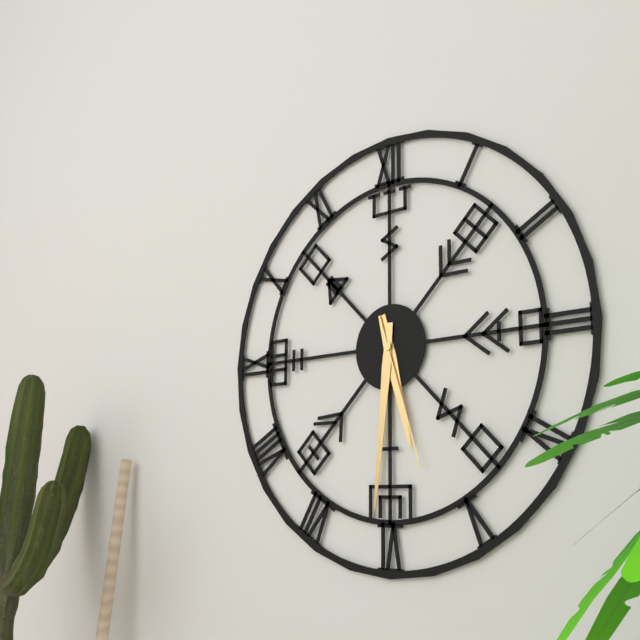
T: 5 h 31 min 27 s
